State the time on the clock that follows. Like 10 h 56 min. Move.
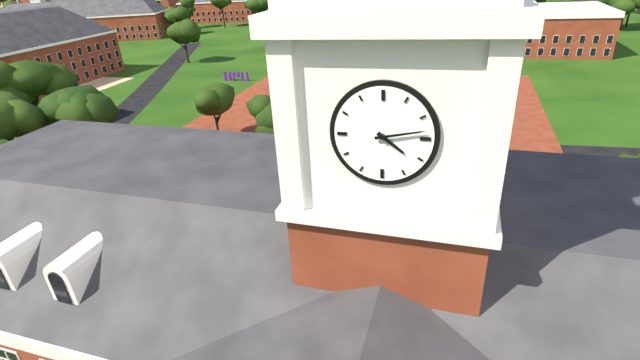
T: 4 h 13 min
